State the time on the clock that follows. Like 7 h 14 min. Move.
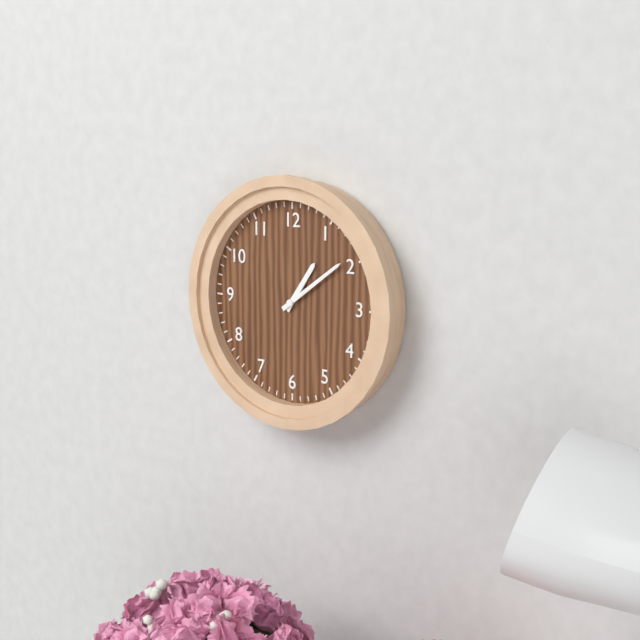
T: 1 h 09 min
